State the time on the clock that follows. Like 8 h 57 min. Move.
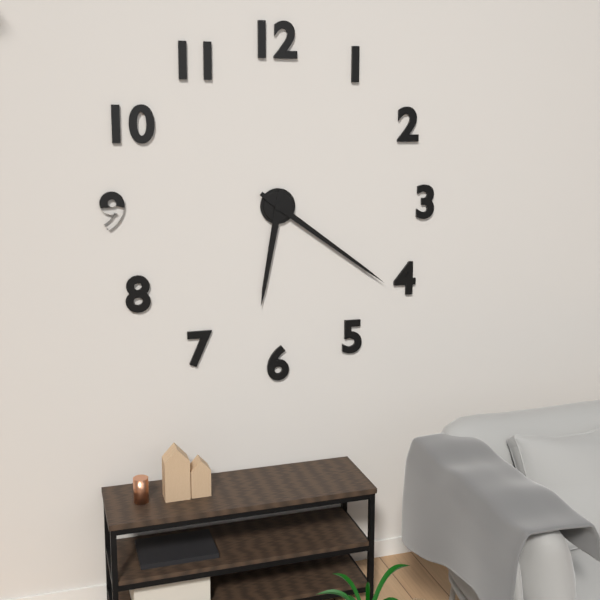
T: 6 h 21 min
